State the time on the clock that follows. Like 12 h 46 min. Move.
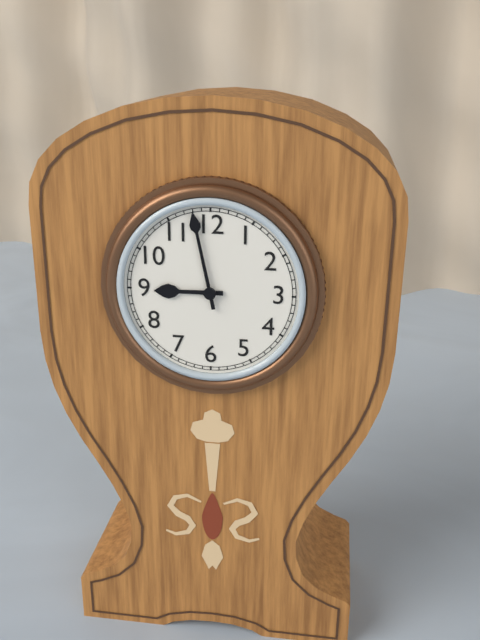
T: 8 h 58 min
